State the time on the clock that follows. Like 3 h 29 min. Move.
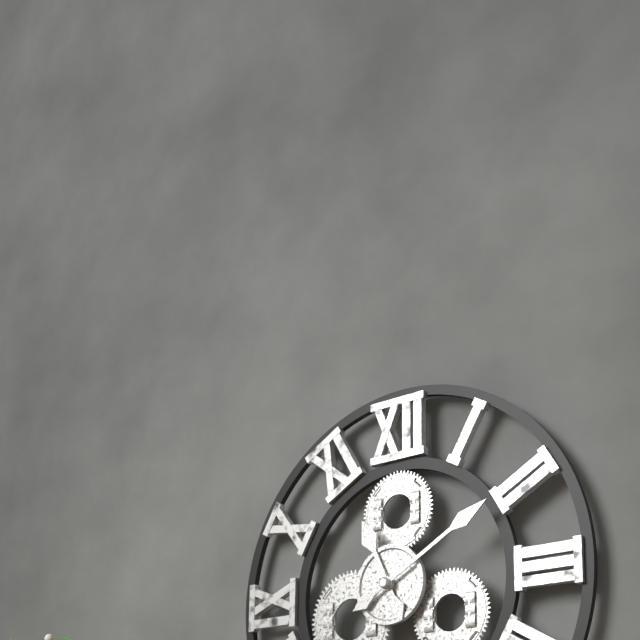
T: 11 h 10 min
